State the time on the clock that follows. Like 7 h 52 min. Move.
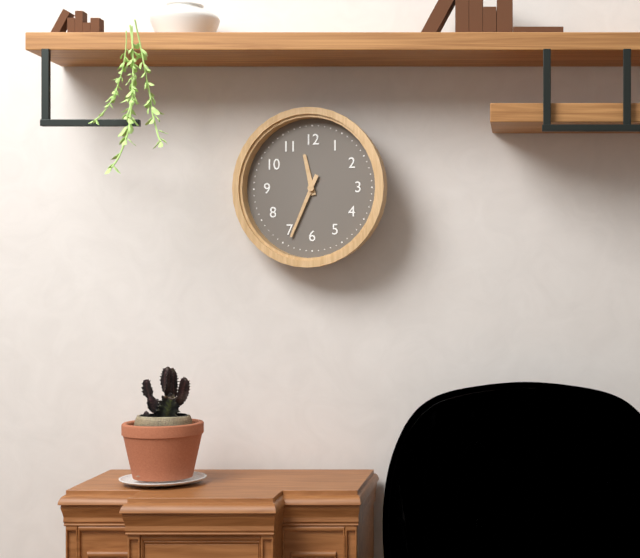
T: 11 h 34 min
